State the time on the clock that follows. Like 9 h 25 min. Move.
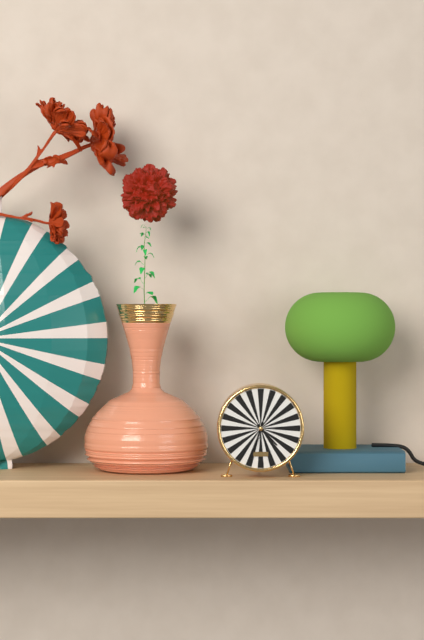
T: 4 h 33 min
